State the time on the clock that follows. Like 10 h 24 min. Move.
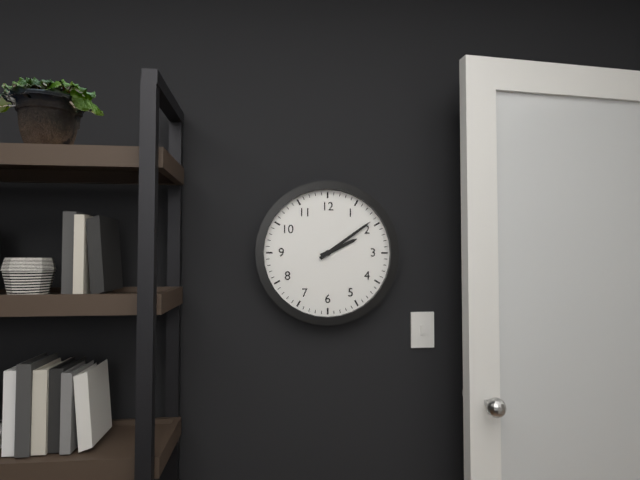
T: 2 h 09 min
